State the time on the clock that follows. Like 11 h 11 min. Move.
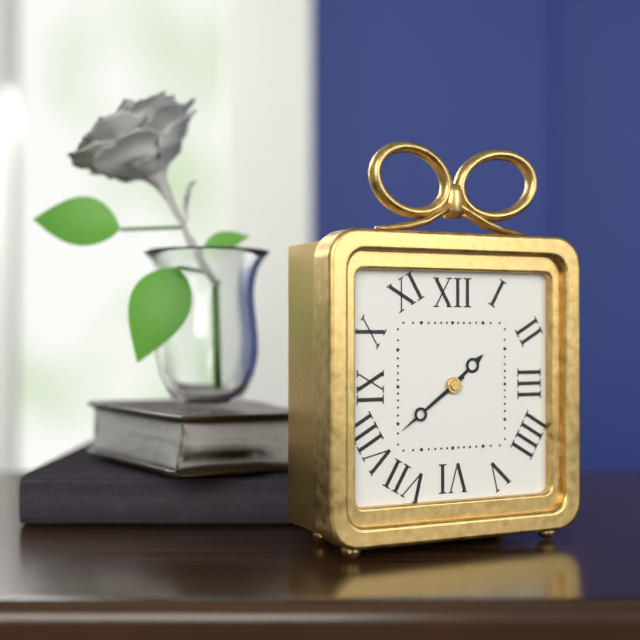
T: 1 h 39 min
